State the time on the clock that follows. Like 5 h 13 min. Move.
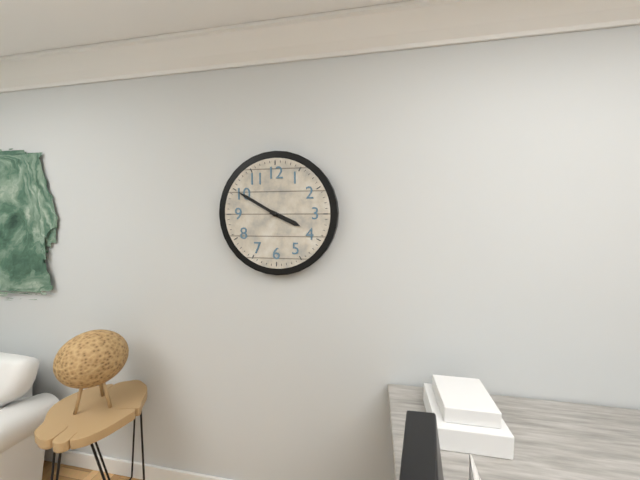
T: 3 h 50 min
